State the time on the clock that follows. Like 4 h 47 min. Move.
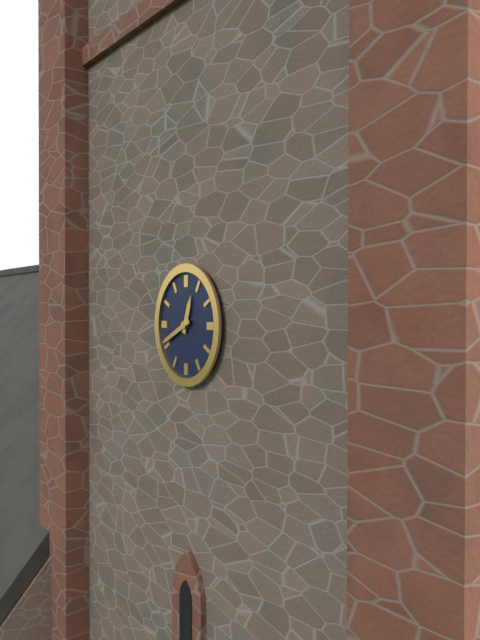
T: 12 h 41 min
